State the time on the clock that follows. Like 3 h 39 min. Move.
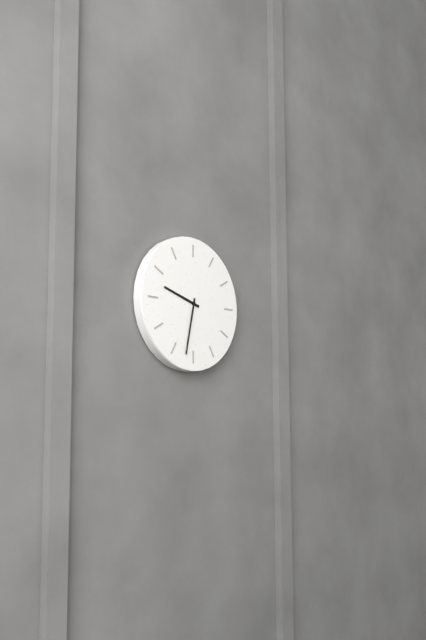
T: 9 h 32 min
